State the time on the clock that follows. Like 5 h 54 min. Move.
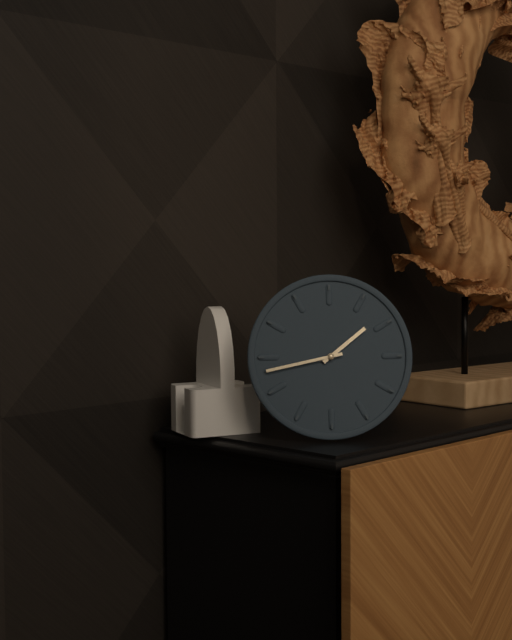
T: 1 h 43 min
